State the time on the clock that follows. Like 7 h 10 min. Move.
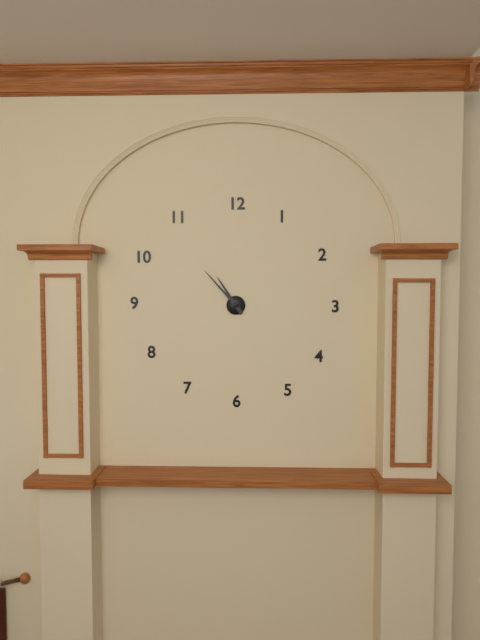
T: 10 h 53 min
